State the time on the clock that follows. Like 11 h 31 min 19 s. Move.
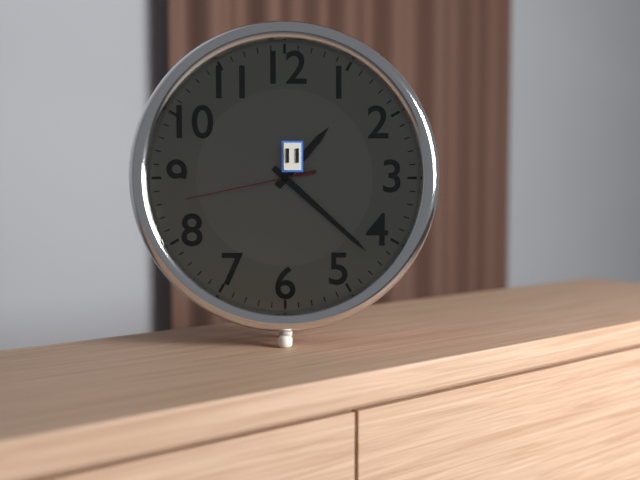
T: 1 h 22 min 43 s
